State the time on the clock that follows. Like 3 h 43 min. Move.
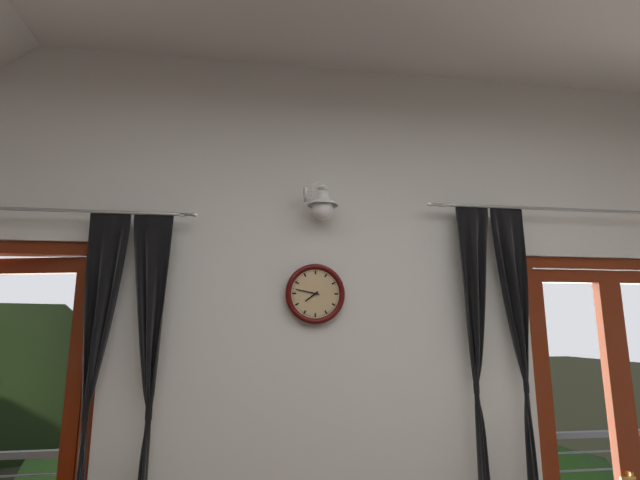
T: 7 h 47 min
